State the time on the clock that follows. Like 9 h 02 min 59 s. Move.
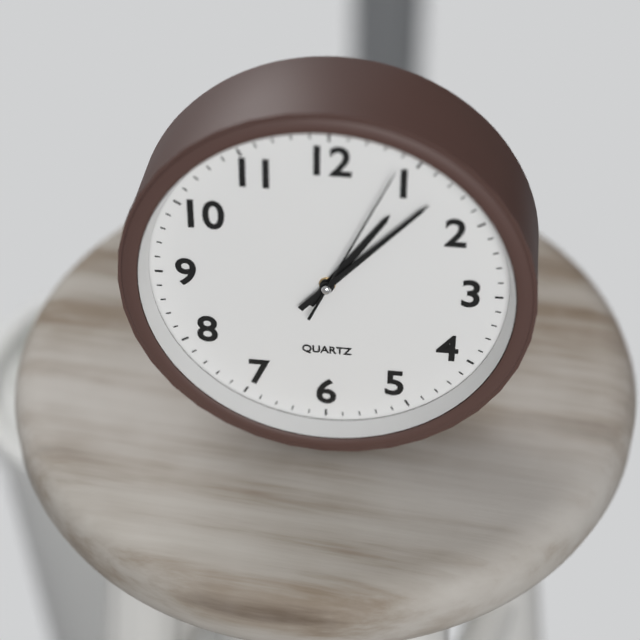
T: 1 h 07 min 04 s
